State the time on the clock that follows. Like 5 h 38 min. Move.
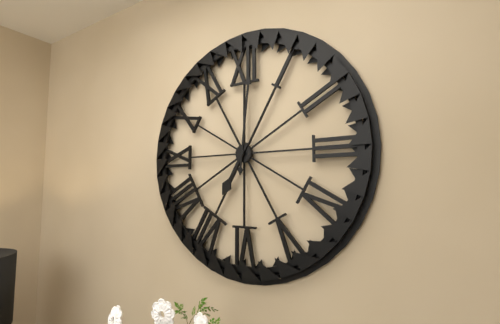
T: 7 h 01 min
